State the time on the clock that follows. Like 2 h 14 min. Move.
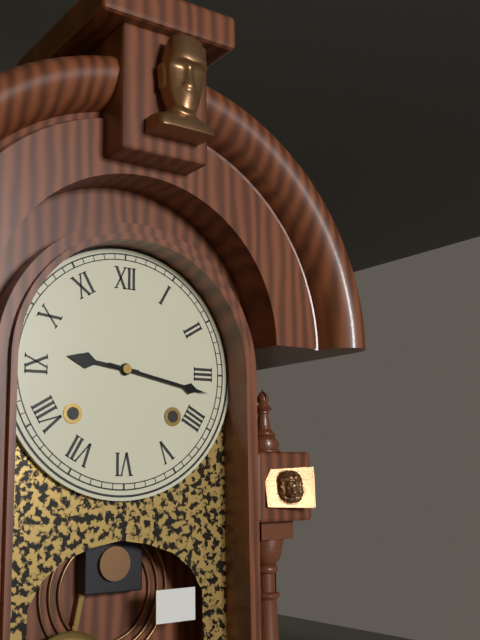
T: 9 h 17 min
